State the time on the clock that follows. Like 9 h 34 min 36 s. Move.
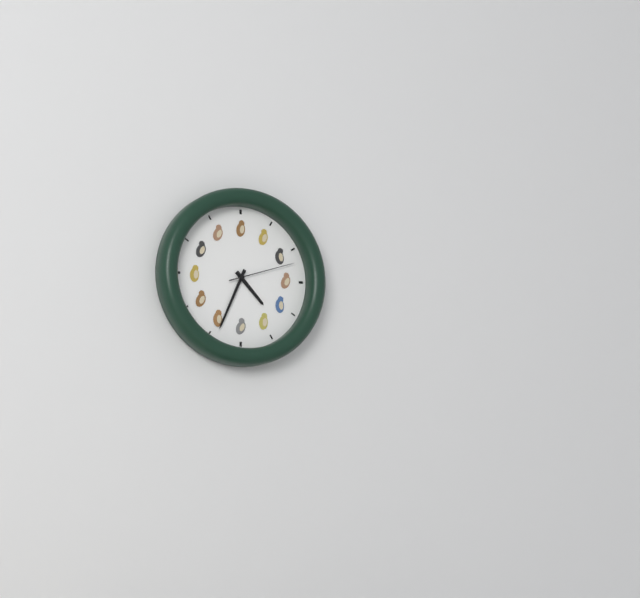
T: 4 h 34 min 12 s
